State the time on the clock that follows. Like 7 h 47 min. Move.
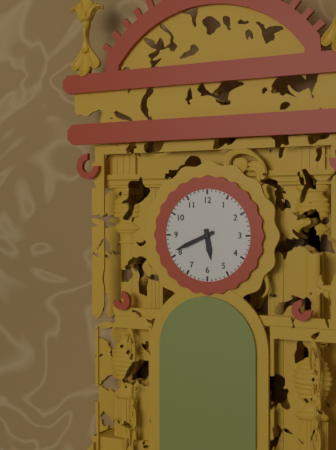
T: 5 h 41 min
